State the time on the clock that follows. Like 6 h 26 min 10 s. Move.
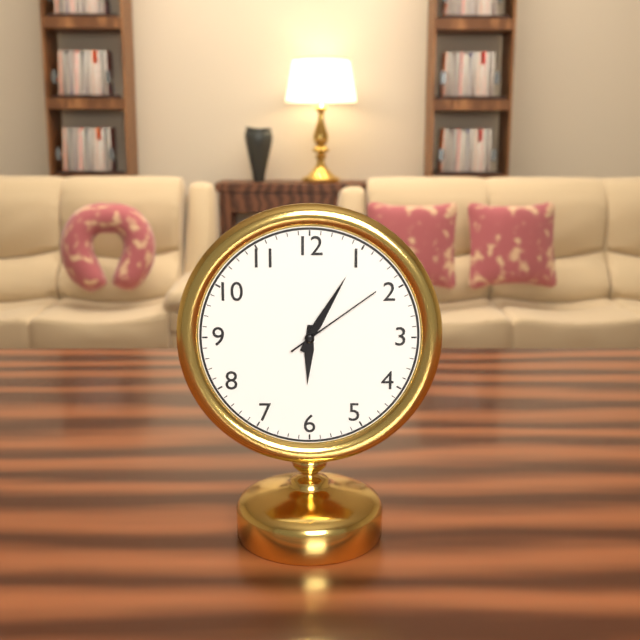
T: 6 h 05 min 09 s
